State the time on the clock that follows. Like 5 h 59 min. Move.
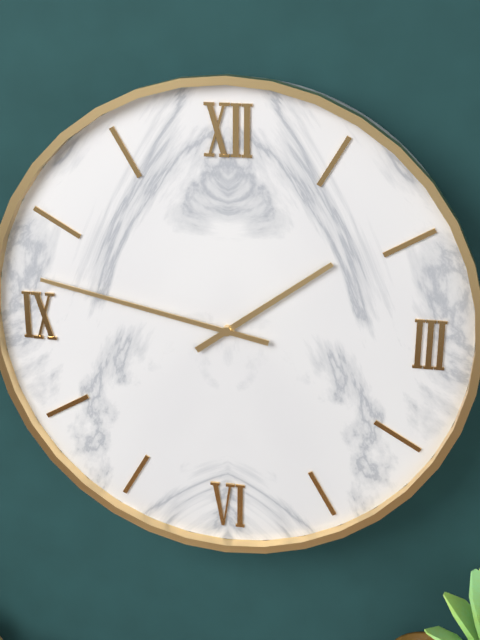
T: 1 h 47 min
